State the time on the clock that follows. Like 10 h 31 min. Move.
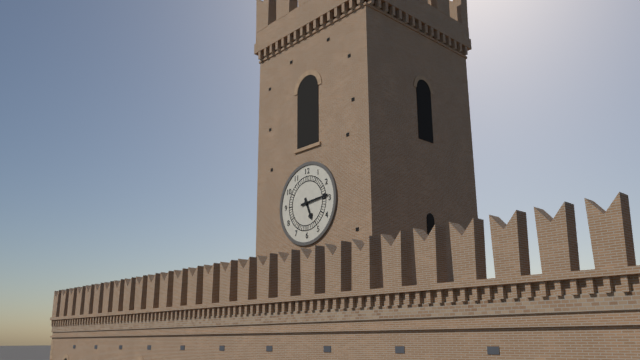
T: 5 h 14 min
